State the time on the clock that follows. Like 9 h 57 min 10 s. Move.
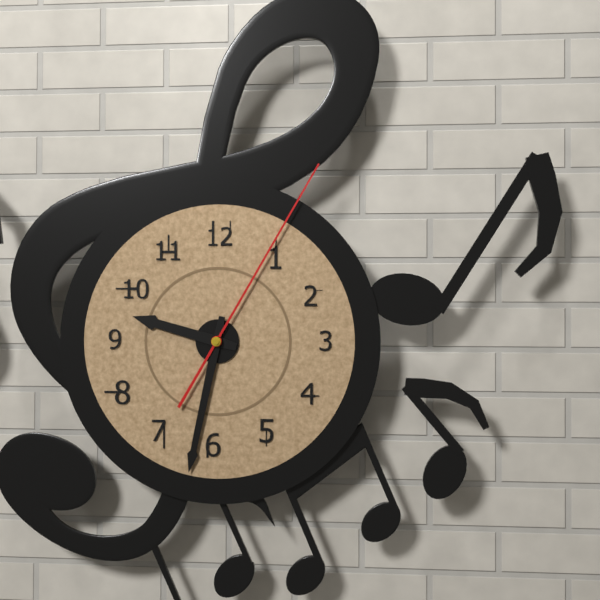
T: 9 h 32 min 05 s
